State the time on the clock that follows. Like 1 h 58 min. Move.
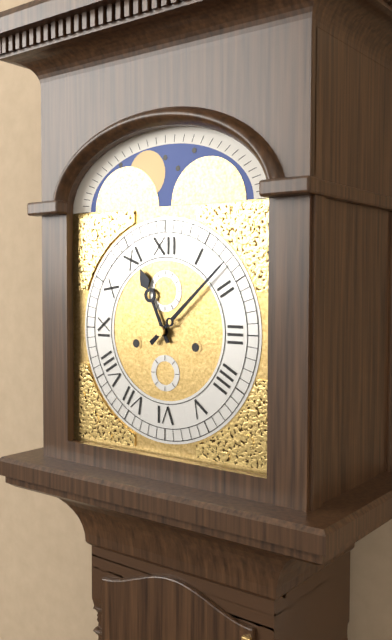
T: 11 h 08 min
